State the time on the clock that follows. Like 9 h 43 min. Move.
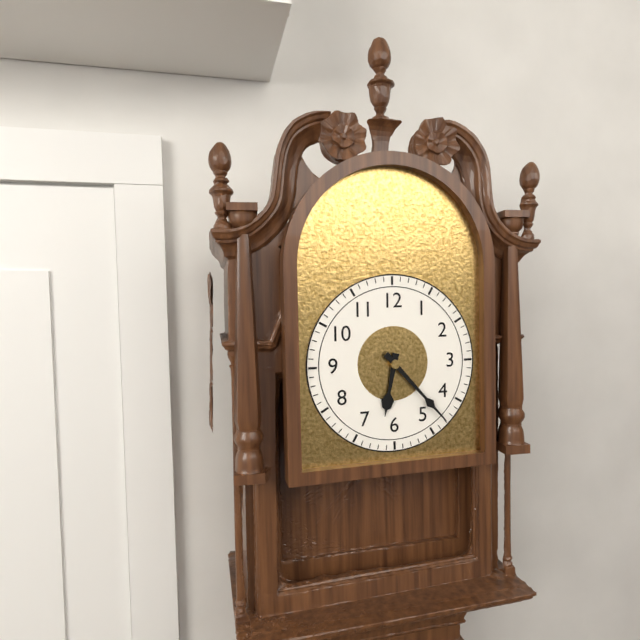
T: 6 h 23 min
